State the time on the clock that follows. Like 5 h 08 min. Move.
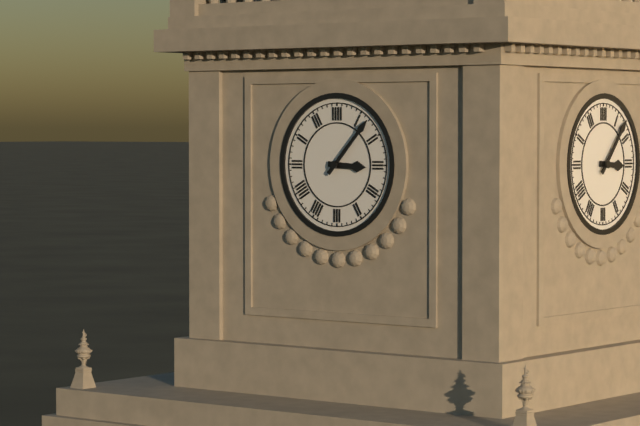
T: 3 h 07 min
